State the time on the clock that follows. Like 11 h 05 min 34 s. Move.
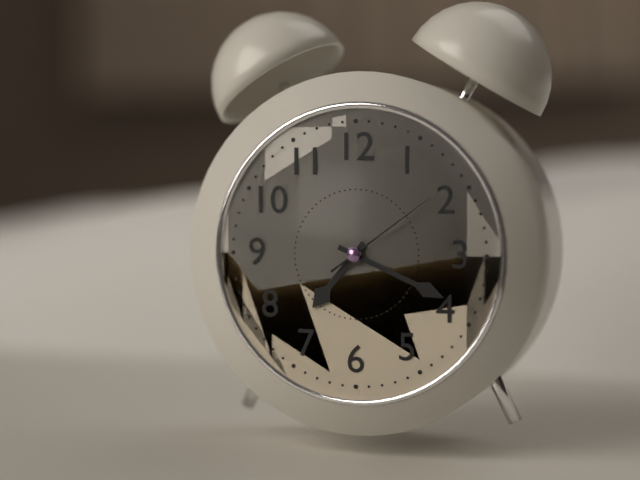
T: 7 h 19 min 09 s
